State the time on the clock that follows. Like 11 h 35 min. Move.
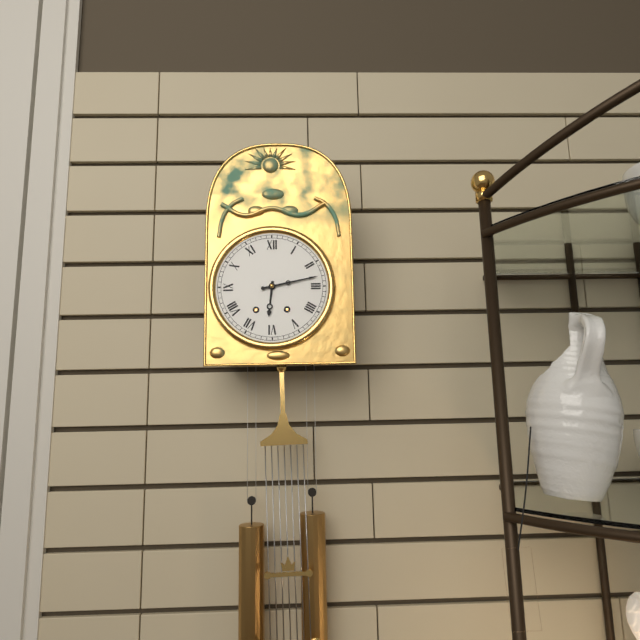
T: 6 h 13 min
